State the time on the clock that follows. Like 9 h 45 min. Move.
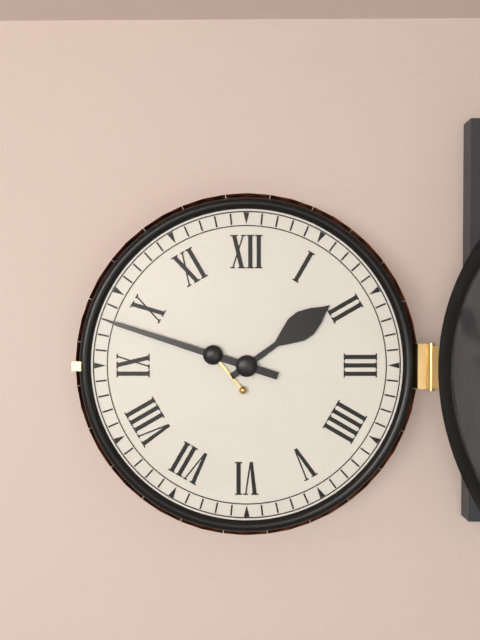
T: 1 h 48 min
